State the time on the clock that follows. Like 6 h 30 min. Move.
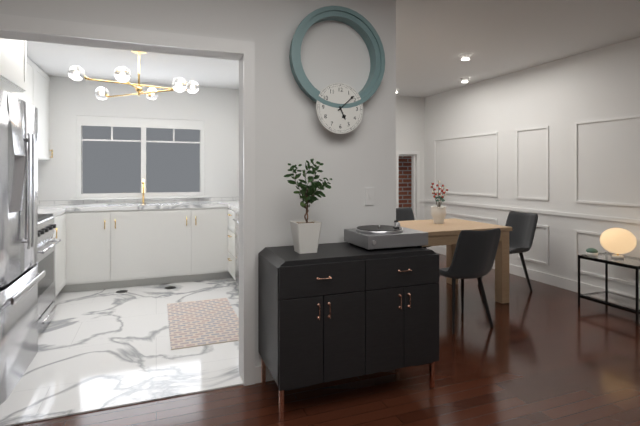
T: 5 h 08 min
